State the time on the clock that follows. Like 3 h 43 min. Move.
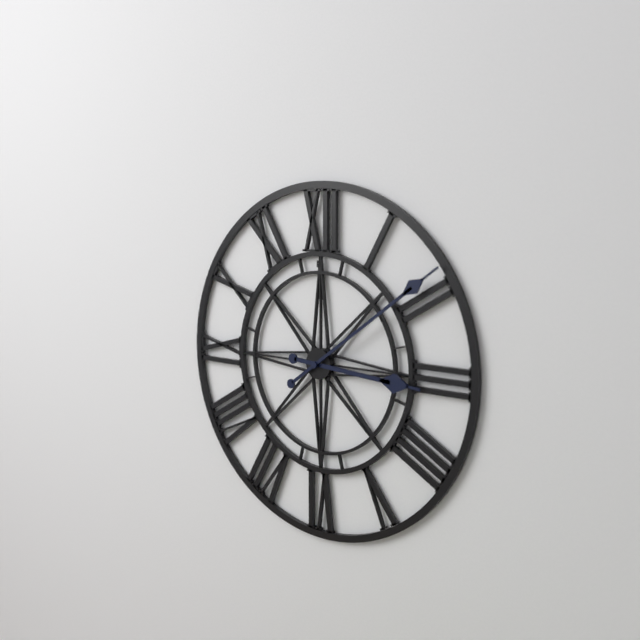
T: 3 h 09 min
